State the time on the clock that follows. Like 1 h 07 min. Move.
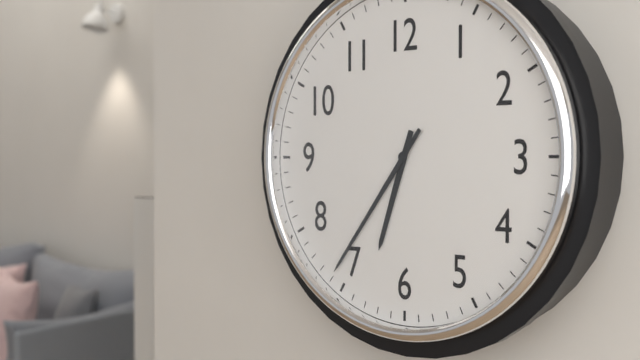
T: 6 h 36 min
